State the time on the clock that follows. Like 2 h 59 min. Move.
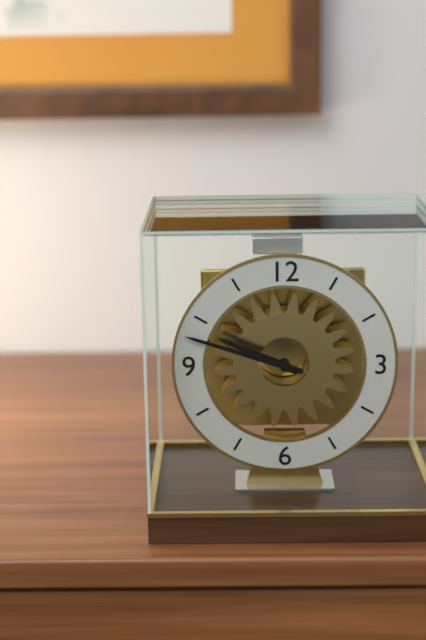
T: 9 h 48 min
